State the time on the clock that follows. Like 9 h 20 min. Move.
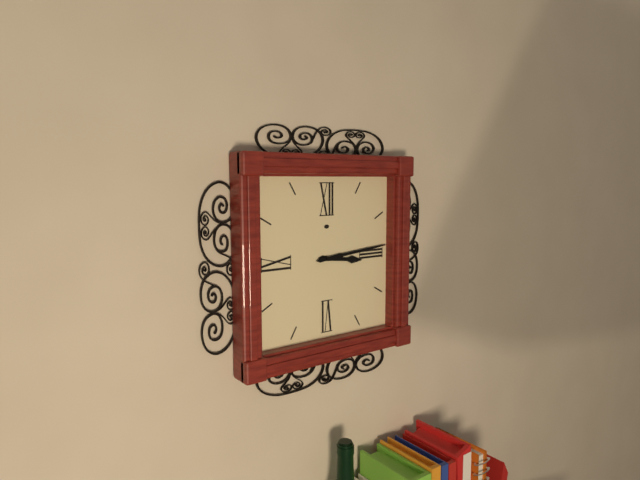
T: 3 h 14 min
